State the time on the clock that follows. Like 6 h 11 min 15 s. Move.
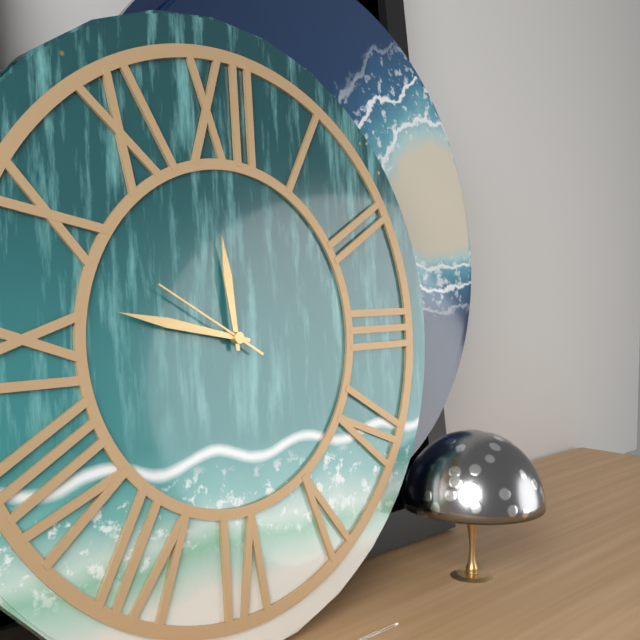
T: 11 h 47 min 50 s
